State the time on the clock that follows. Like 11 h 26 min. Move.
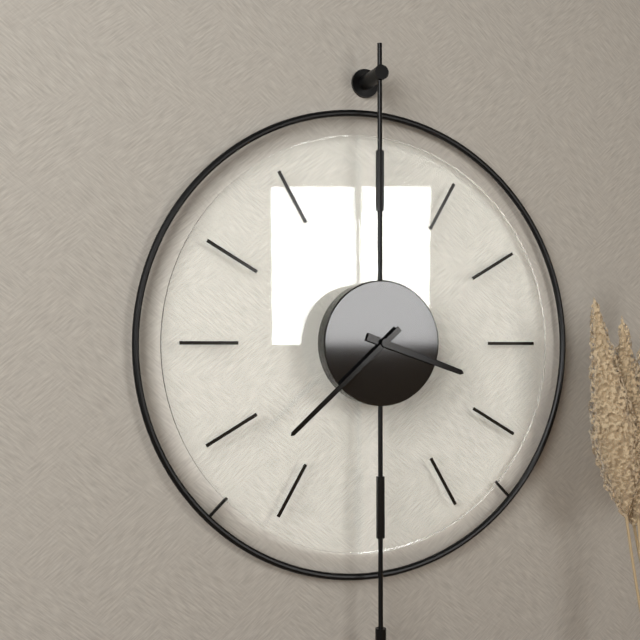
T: 3 h 38 min
